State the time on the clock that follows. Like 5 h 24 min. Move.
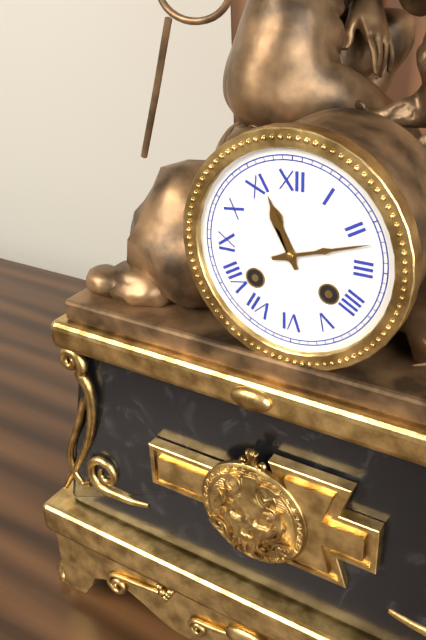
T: 11 h 12 min
